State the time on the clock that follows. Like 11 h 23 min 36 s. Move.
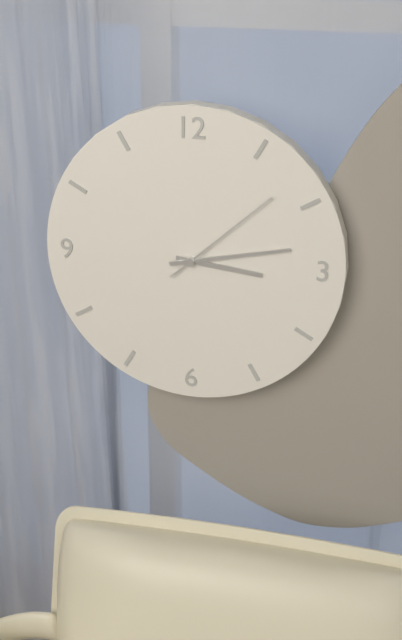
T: 3 h 13 min 08 s
